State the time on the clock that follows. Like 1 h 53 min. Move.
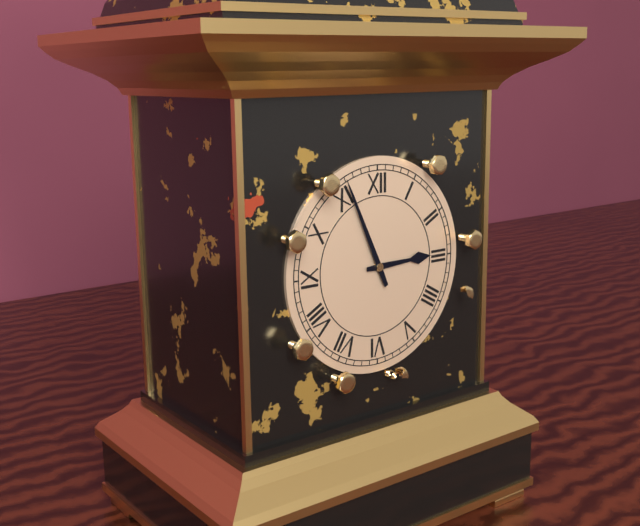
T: 2 h 56 min
